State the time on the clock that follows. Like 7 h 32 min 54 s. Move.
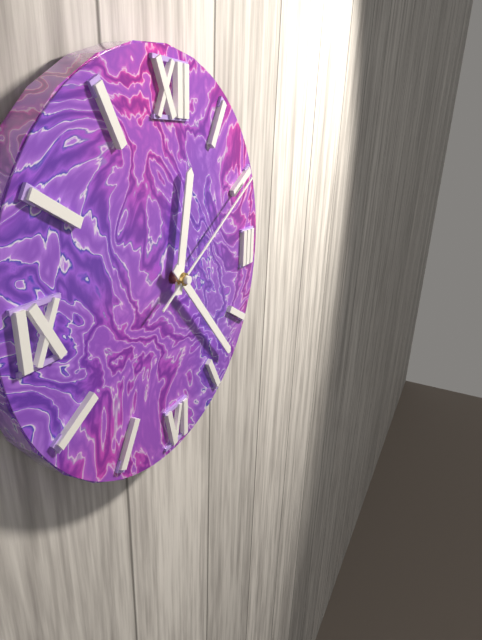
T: 12 h 23 min 10 s
